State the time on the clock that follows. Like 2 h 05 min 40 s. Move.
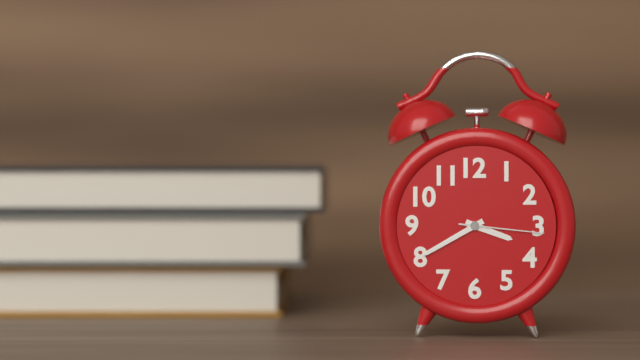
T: 3 h 40 min 16 s
